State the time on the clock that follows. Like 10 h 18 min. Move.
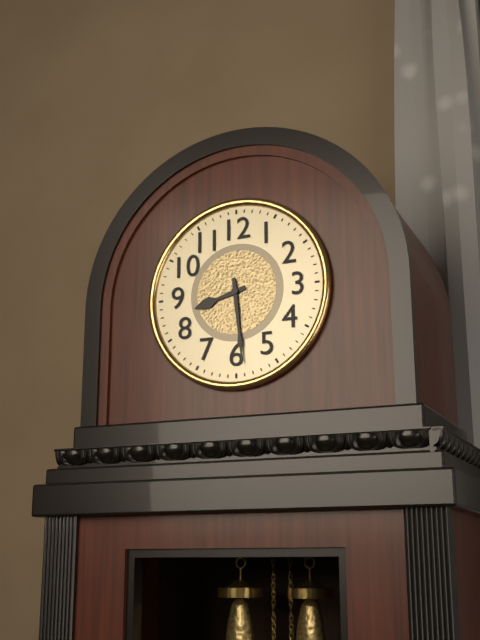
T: 8 h 29 min
